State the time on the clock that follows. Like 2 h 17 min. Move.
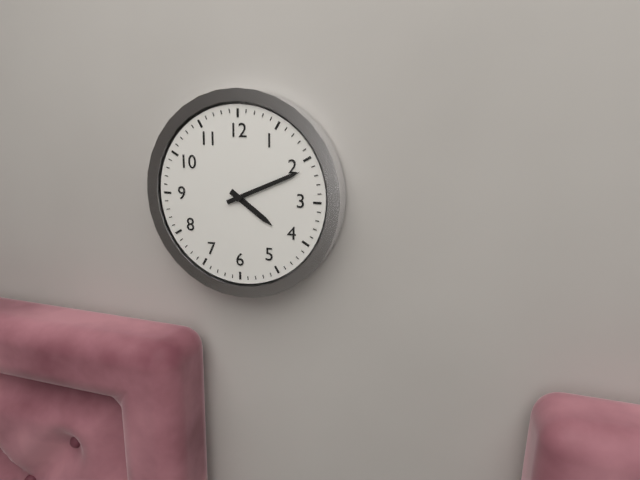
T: 4 h 11 min
